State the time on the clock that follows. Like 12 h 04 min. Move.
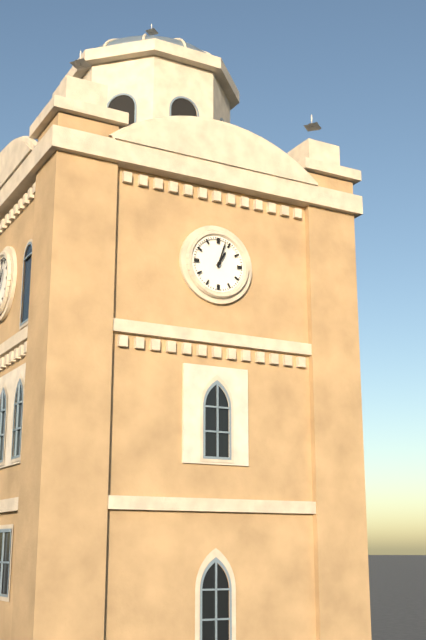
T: 1 h 03 min
